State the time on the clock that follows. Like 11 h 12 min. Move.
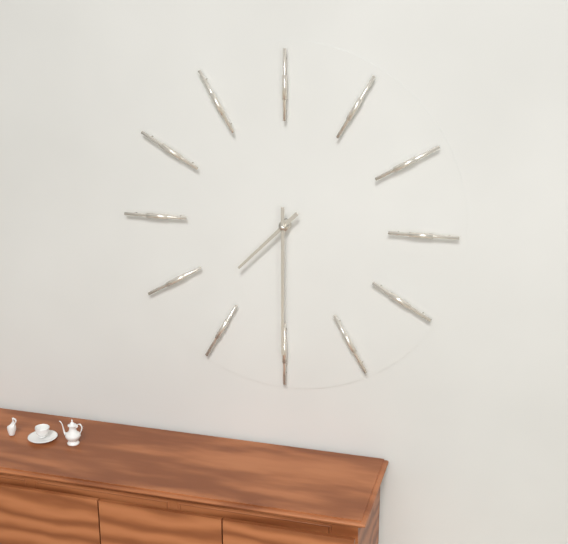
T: 7 h 30 min
